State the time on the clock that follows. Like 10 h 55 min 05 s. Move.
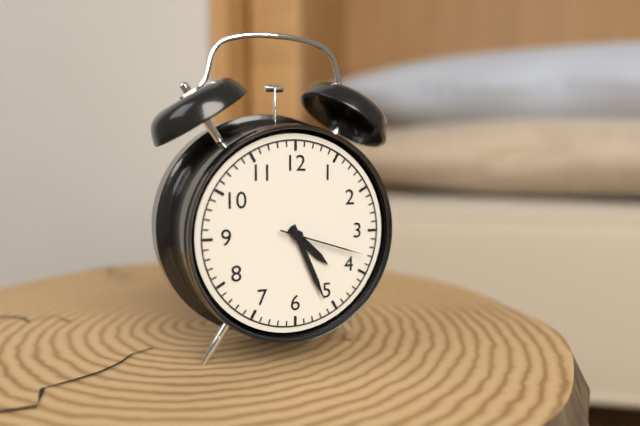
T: 4 h 26 min 18 s
